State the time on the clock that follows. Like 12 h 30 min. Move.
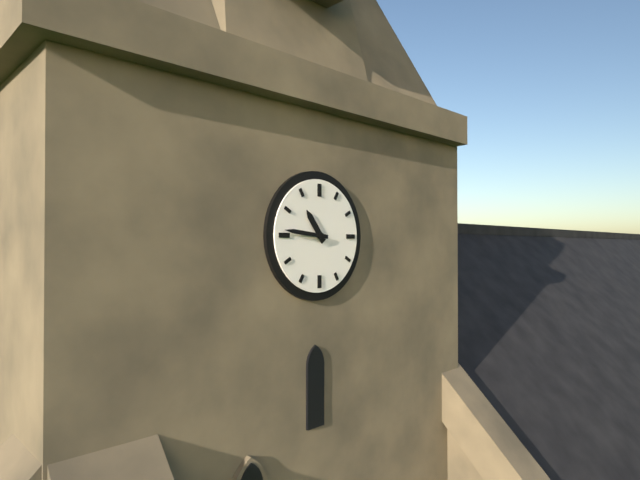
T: 10 h 46 min
